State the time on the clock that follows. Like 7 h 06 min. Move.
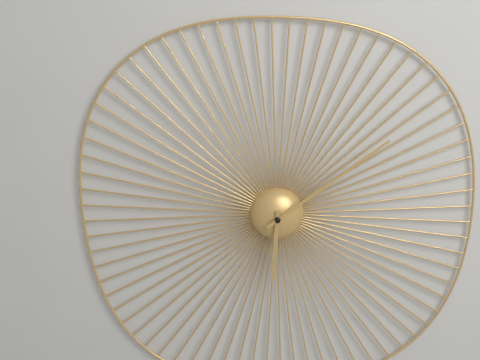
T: 6 h 09 min
